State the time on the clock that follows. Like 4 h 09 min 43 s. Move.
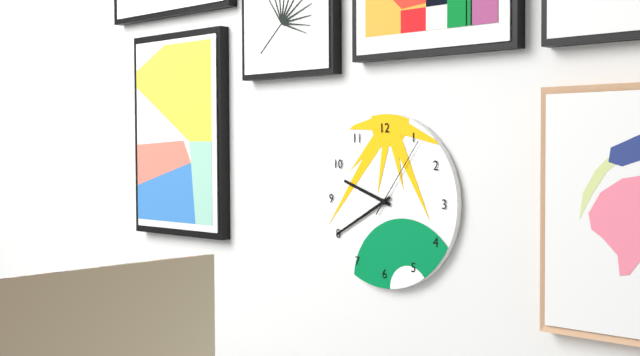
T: 9 h 40 min 06 s
